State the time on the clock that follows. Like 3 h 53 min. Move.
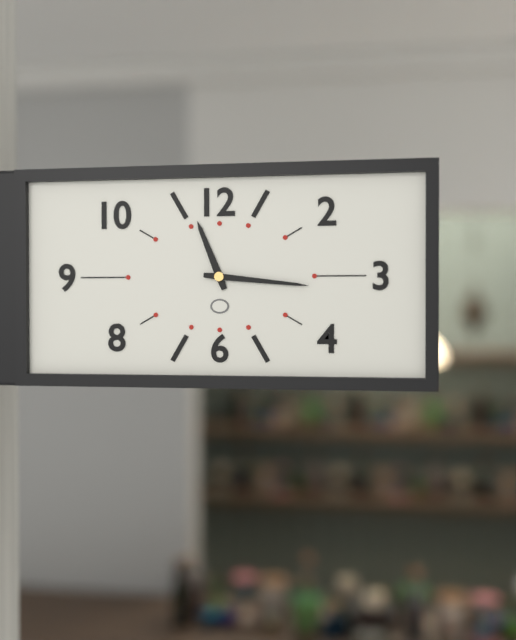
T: 11 h 16 min
